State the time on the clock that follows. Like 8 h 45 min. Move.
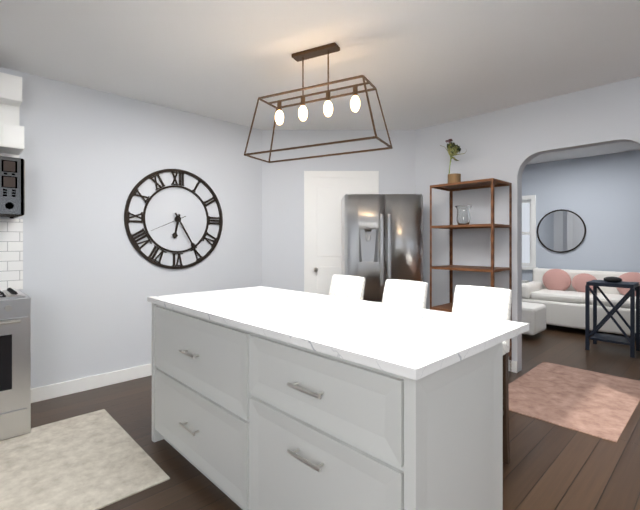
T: 6 h 25 min
